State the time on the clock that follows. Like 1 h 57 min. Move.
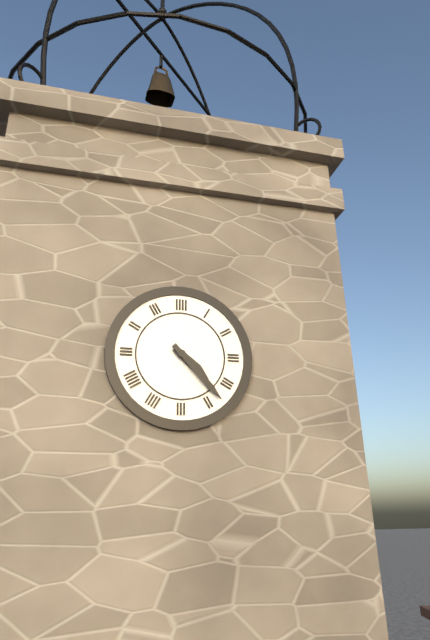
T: 4 h 23 min
